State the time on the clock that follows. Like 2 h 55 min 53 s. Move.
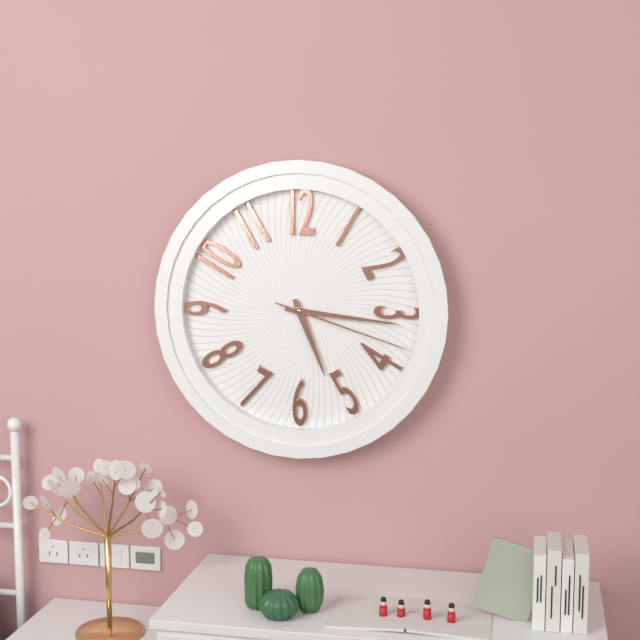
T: 5 h 16 min 18 s
